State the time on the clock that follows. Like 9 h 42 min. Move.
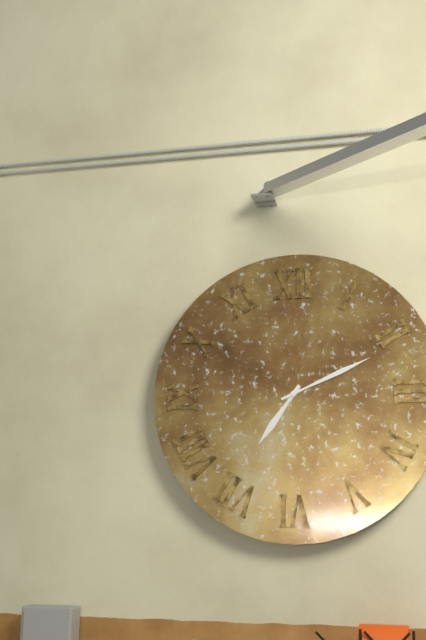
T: 7 h 11 min
